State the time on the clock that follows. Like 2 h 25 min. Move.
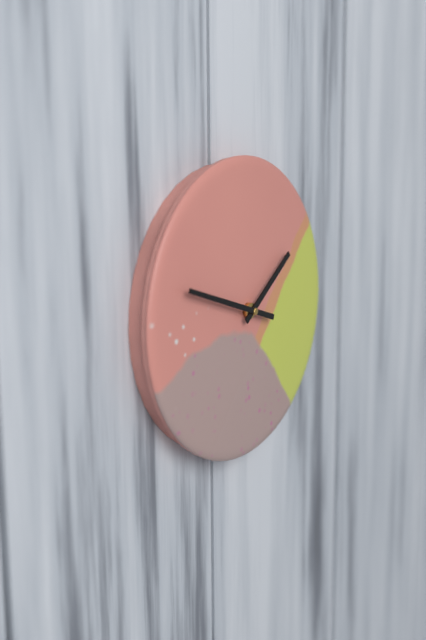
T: 1 h 48 min
